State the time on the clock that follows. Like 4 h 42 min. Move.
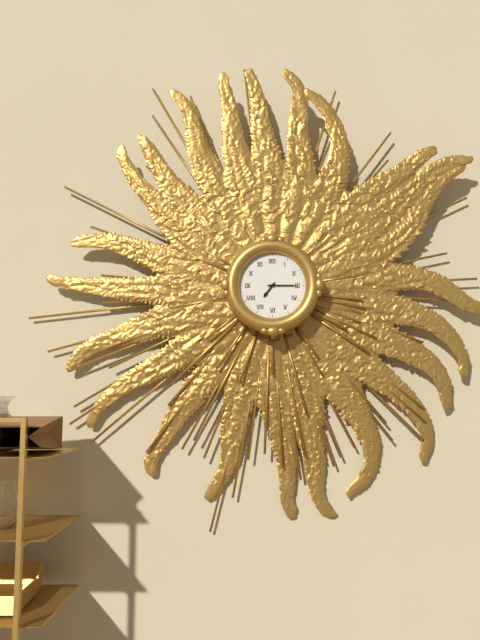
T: 7 h 15 min
